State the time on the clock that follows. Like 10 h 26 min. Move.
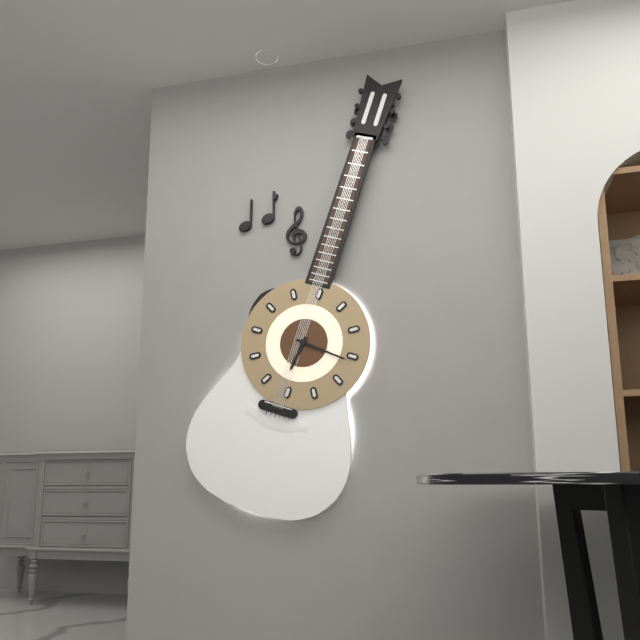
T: 6 h 16 min
